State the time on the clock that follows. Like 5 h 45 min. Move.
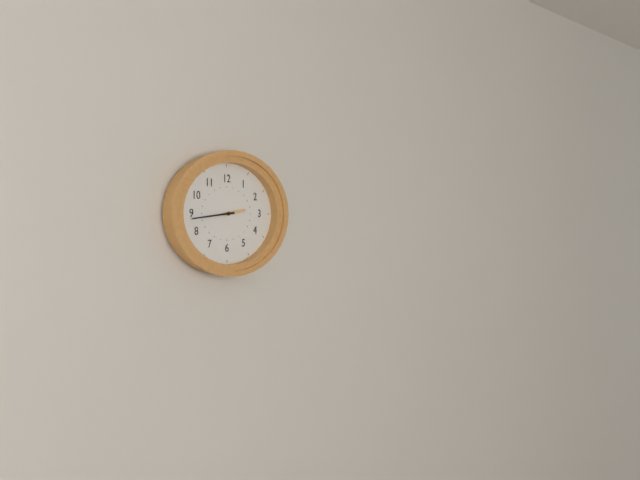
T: 2 h 44 min
